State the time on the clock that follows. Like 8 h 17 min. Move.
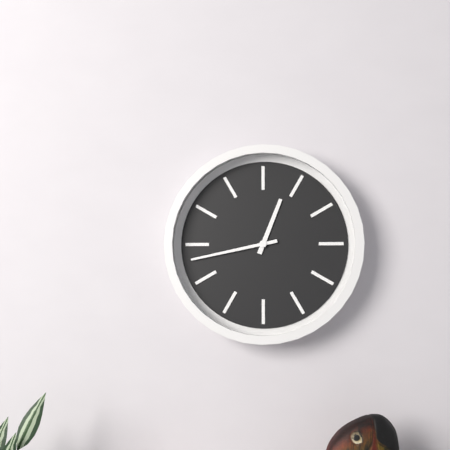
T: 12 h 43 min
